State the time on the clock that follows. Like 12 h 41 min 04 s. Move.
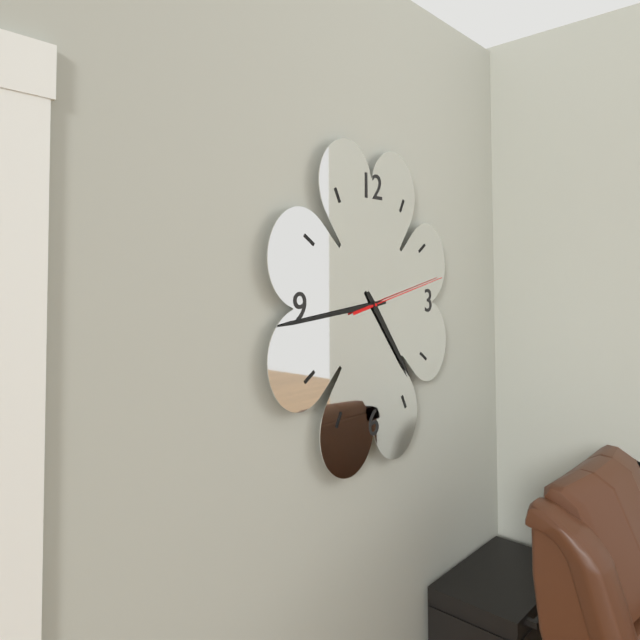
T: 4 h 44 min 13 s
